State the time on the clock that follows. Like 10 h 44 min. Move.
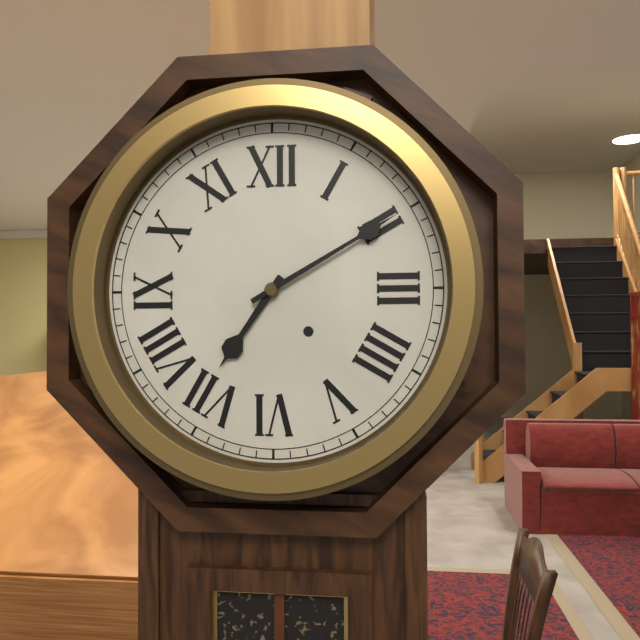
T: 7 h 10 min
